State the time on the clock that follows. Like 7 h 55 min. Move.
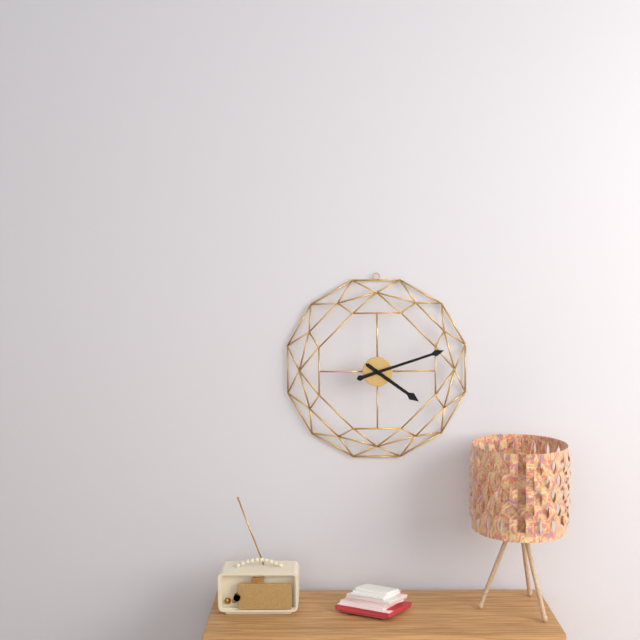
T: 4 h 12 min
